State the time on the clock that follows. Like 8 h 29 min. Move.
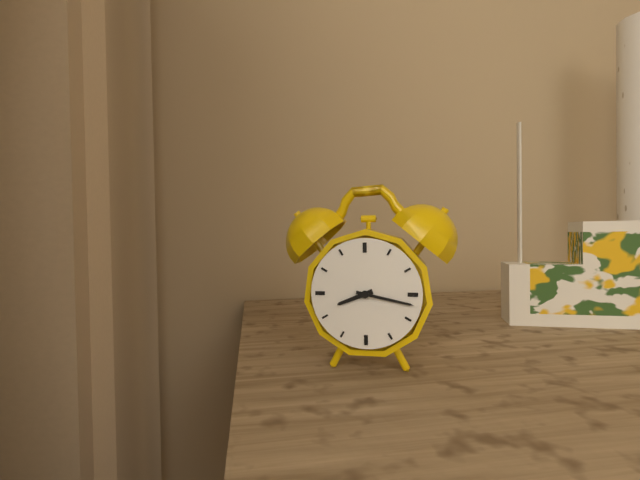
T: 8 h 17 min
